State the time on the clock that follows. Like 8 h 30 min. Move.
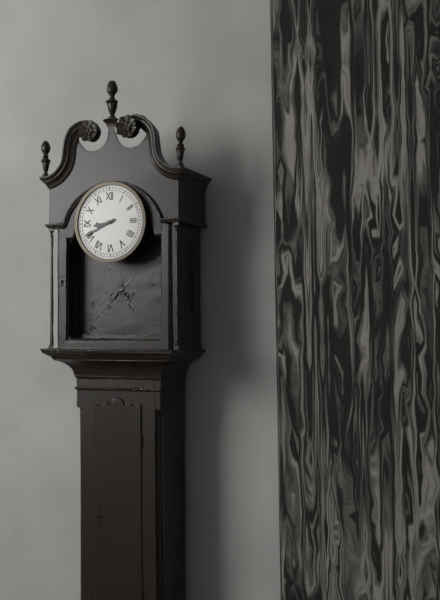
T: 8 h 41 min
